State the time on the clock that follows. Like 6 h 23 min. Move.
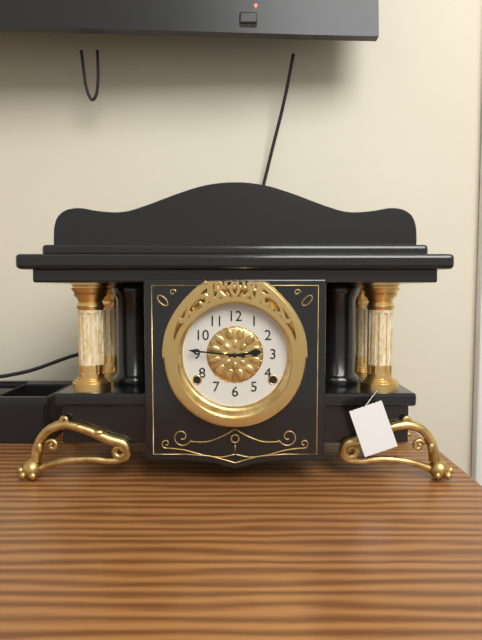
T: 2 h 46 min
